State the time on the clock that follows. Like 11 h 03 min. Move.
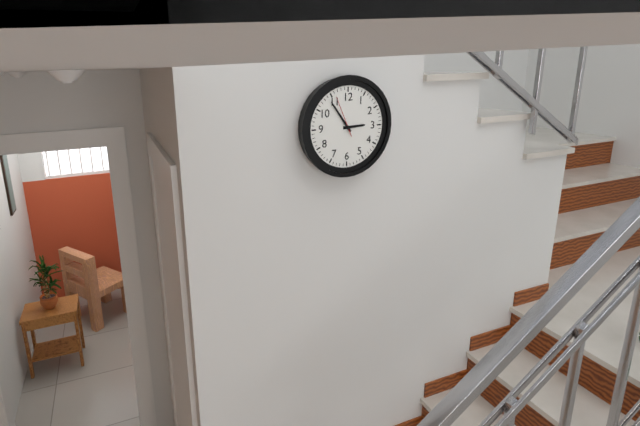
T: 2 h 54 min
